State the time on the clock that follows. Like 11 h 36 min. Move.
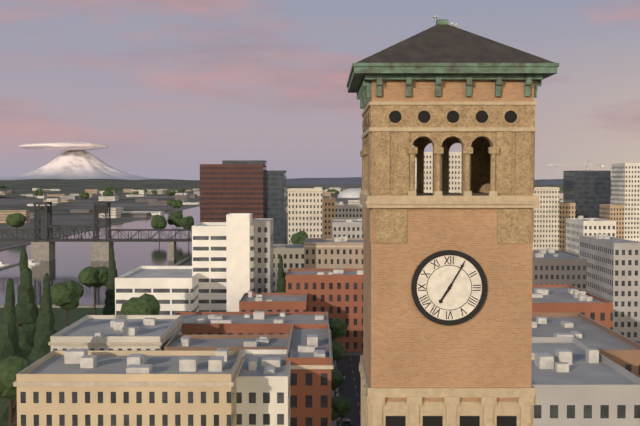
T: 7 h 05 min
